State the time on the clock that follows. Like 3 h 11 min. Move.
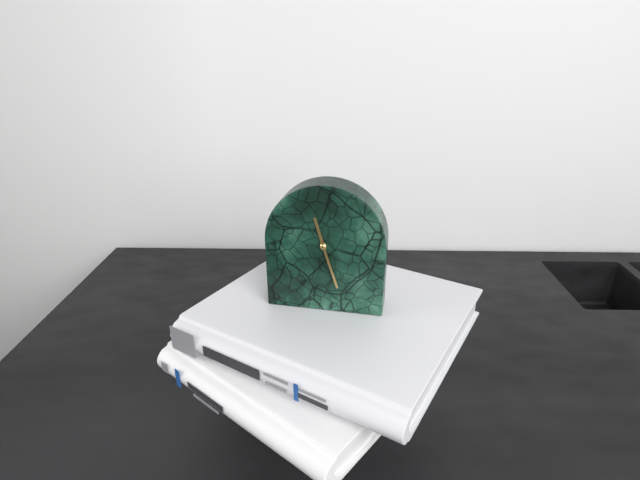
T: 11 h 27 min
